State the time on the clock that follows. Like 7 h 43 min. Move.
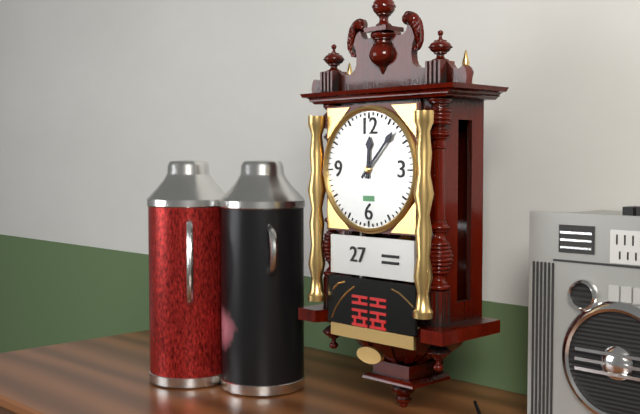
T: 12 h 07 min
